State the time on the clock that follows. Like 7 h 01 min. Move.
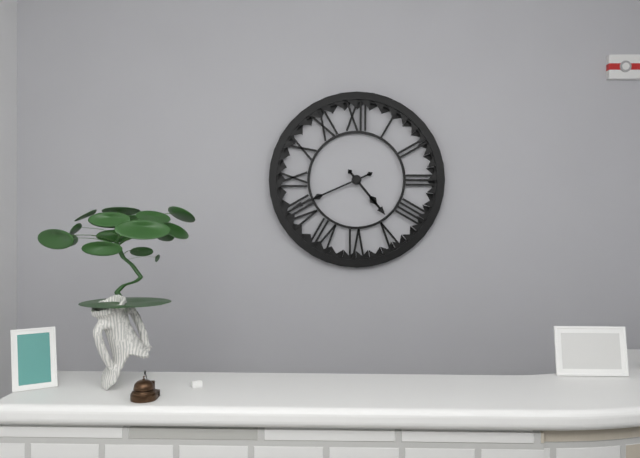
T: 4 h 41 min
